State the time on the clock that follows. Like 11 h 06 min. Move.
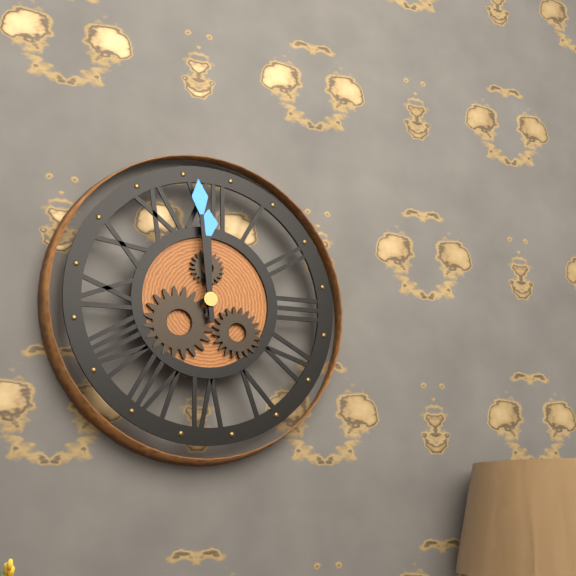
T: 11 h 59 min
